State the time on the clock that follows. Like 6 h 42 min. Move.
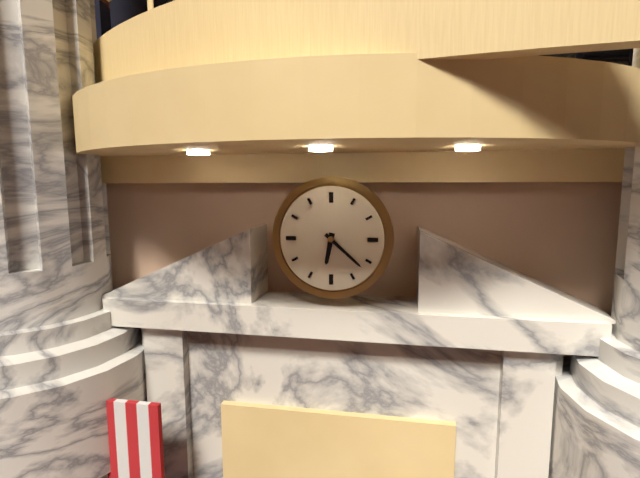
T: 6 h 22 min
